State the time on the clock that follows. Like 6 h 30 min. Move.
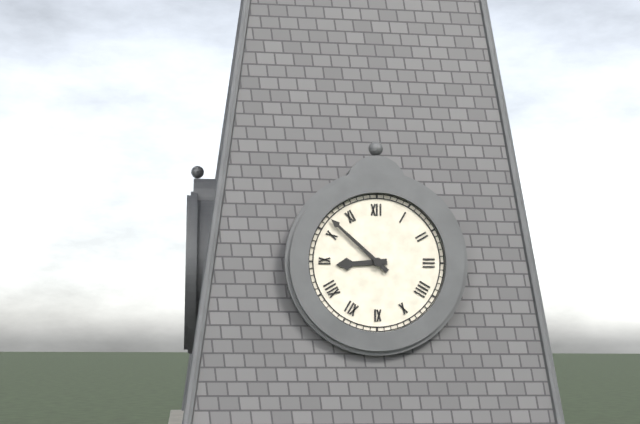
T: 8 h 52 min
